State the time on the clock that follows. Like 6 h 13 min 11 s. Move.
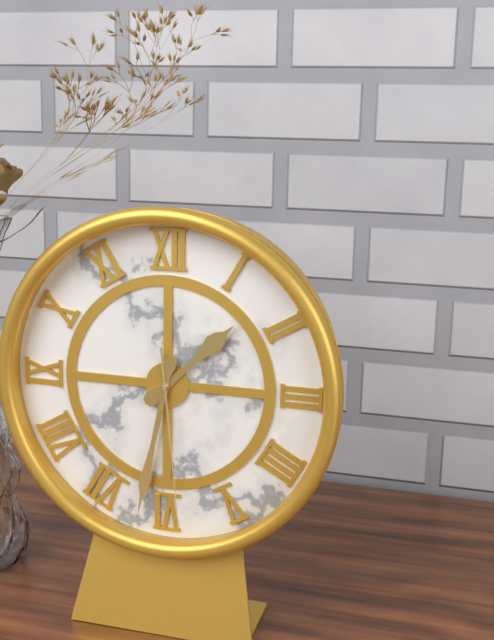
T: 1 h 32 min 29 s
